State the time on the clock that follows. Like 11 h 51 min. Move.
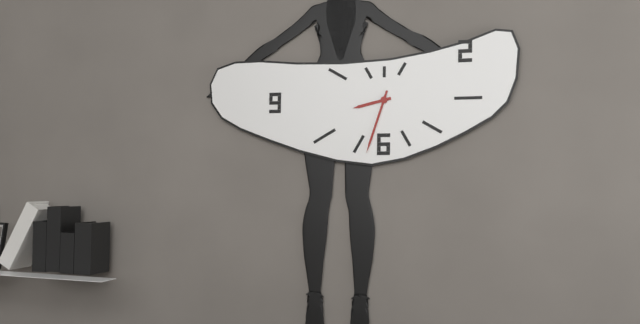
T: 8 h 33 min
